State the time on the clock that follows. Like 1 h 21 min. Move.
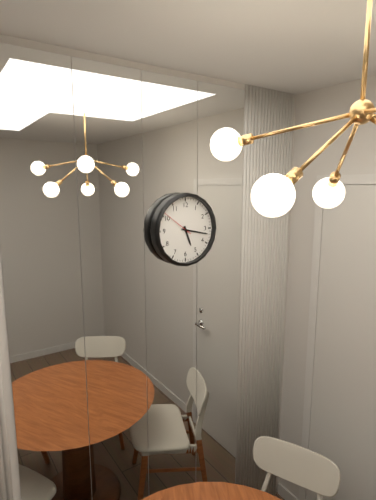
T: 5 h 17 min
